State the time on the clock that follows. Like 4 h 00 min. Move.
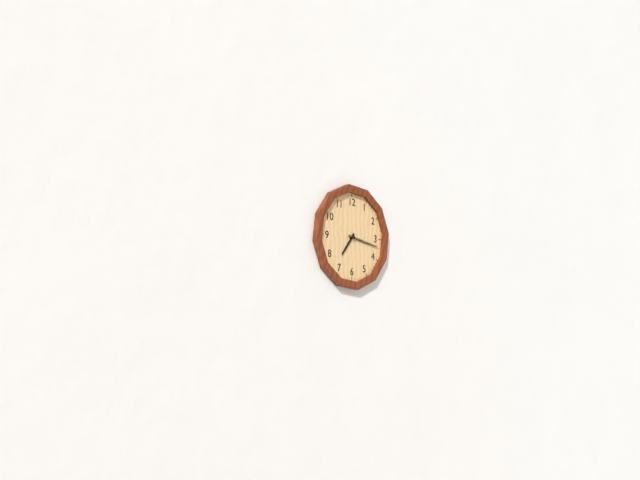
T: 7 h 17 min
